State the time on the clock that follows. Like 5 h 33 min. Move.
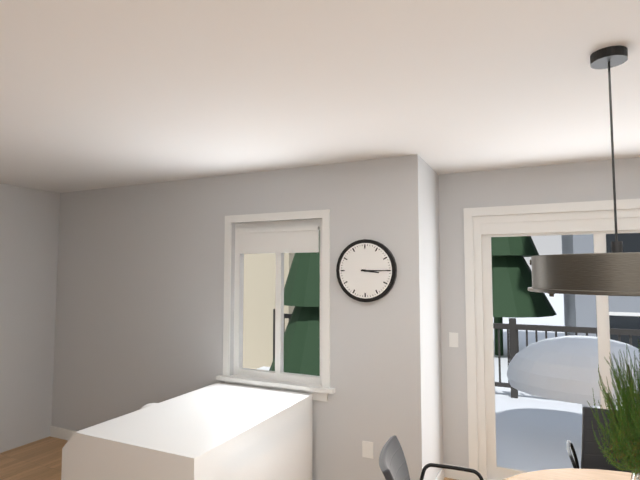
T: 3 h 15 min
